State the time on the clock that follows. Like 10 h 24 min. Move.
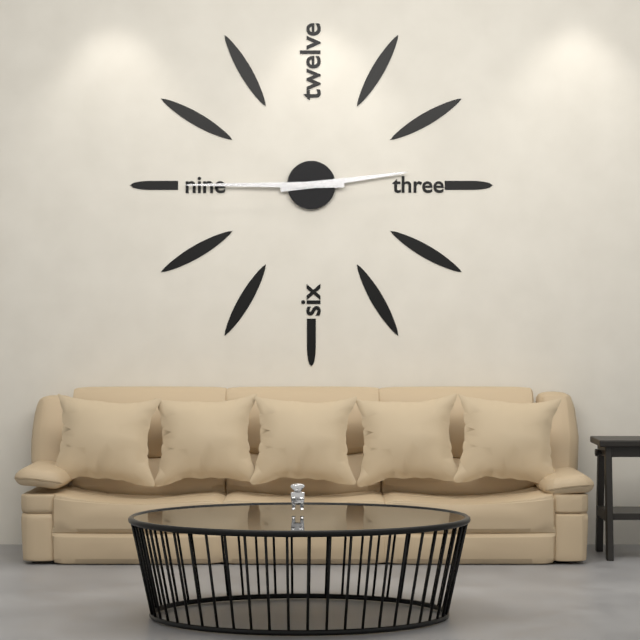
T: 2 h 45 min
